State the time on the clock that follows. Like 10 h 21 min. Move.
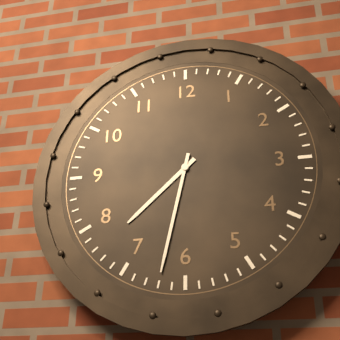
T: 7 h 32 min
